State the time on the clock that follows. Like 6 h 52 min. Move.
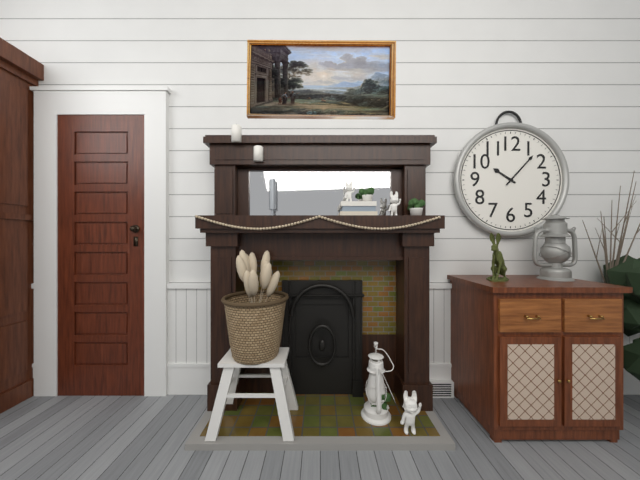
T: 10 h 07 min
